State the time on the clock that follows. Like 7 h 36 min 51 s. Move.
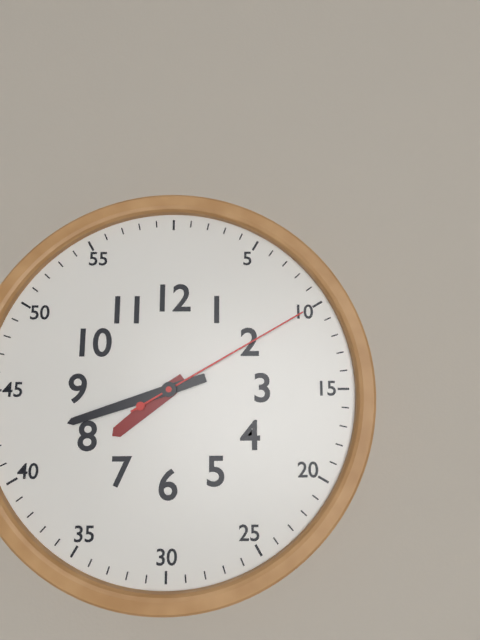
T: 7 h 42 min 10 s
